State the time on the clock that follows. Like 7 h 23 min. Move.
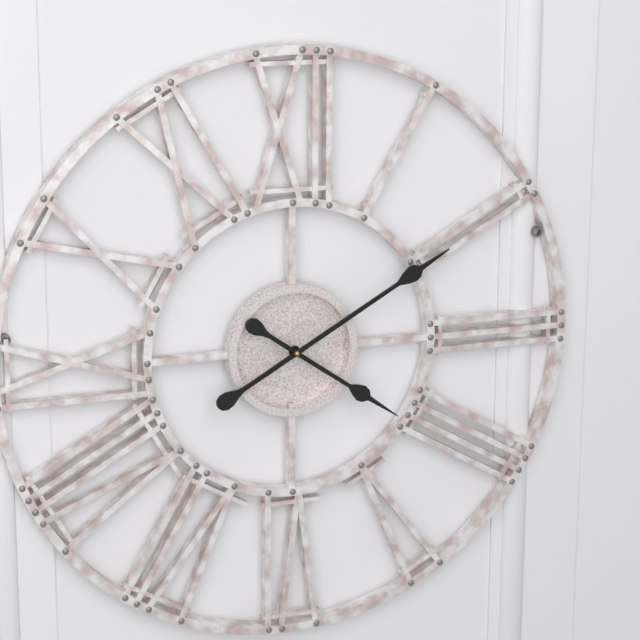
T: 4 h 10 min
